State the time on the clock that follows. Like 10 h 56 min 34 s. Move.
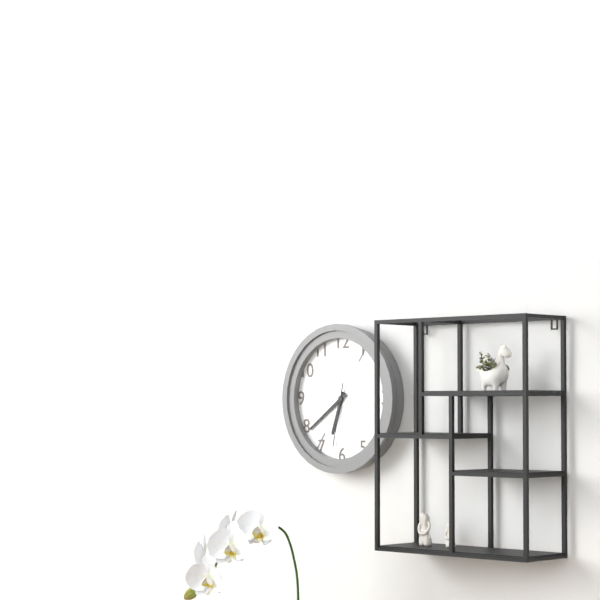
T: 6 h 39 min 32 s
